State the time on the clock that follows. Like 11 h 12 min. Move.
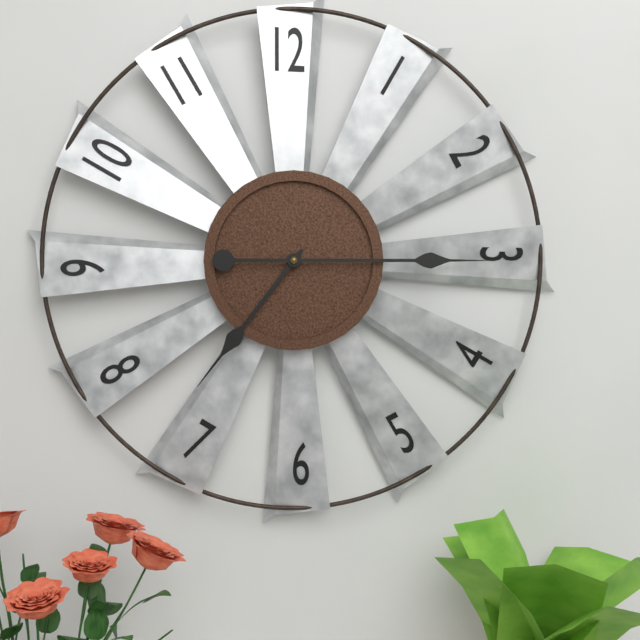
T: 7 h 15 min
